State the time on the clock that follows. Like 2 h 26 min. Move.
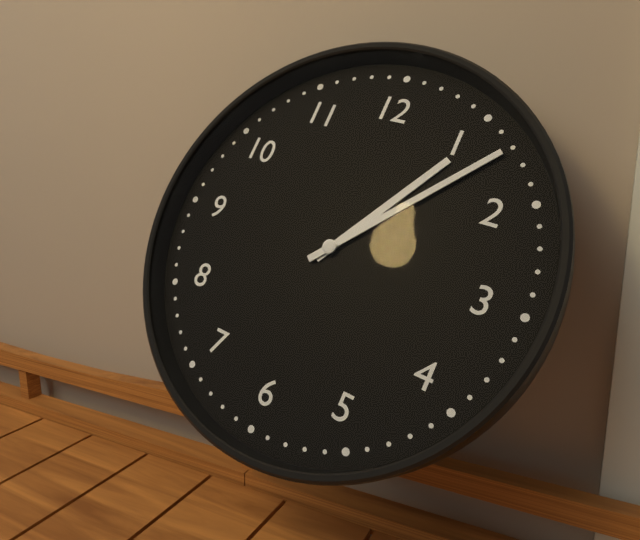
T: 1 h 07 min
